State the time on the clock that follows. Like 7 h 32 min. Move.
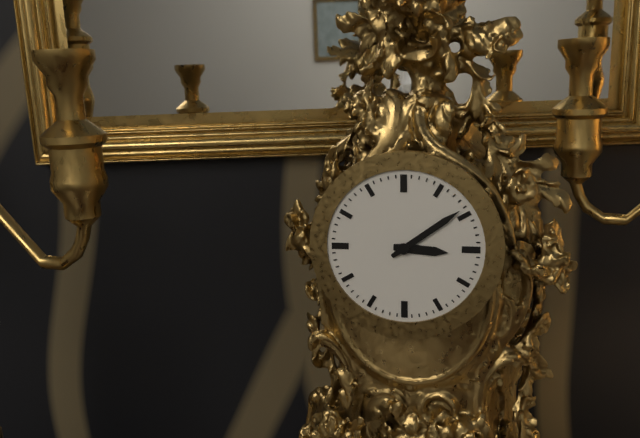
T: 3 h 09 min
